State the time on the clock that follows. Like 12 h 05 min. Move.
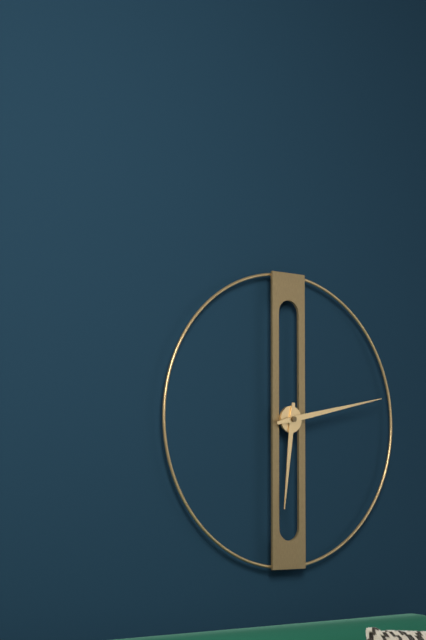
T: 6 h 13 min
